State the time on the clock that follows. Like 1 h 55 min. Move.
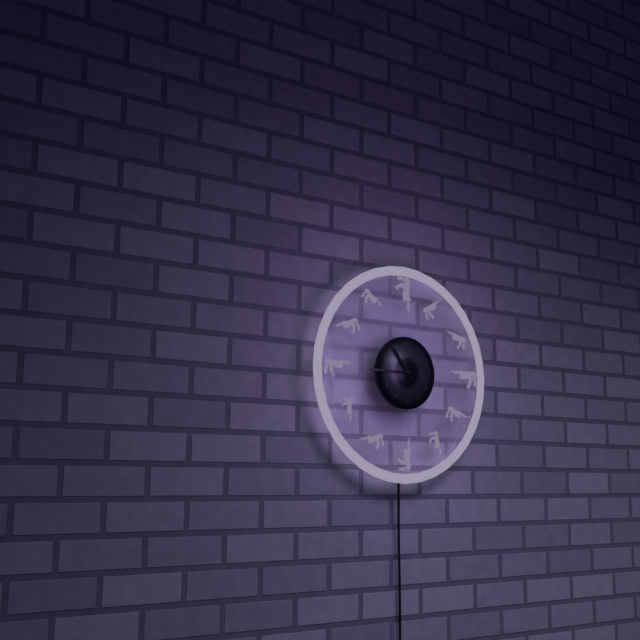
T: 10 h 45 min
